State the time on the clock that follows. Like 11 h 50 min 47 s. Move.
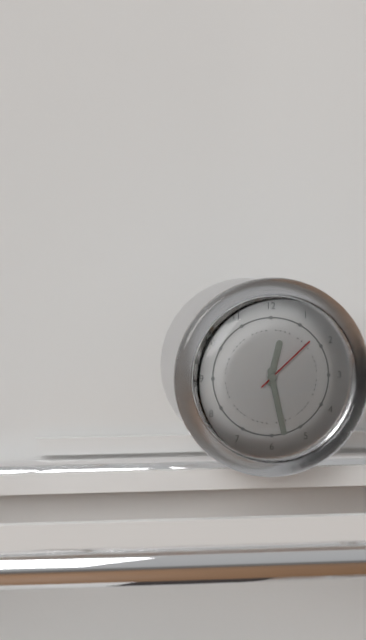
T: 12 h 28 min 08 s
